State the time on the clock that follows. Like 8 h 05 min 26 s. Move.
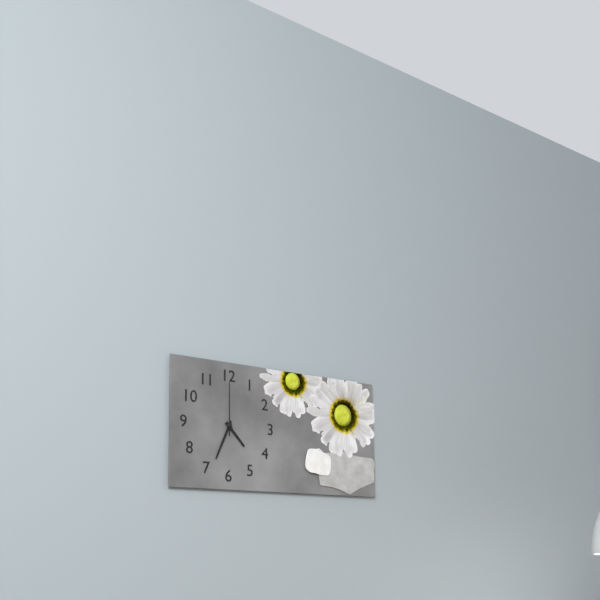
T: 4 h 34 min 00 s
